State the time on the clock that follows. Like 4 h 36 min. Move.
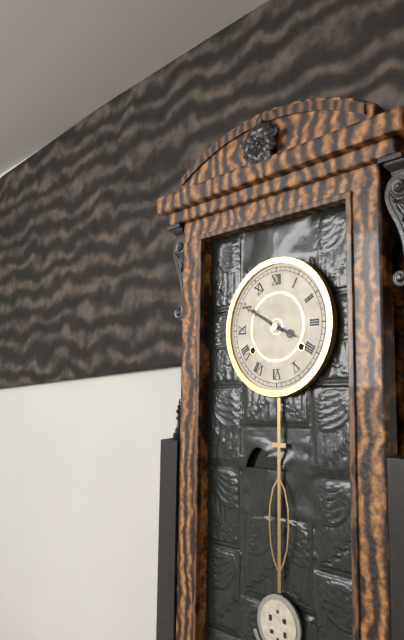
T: 3 h 50 min
